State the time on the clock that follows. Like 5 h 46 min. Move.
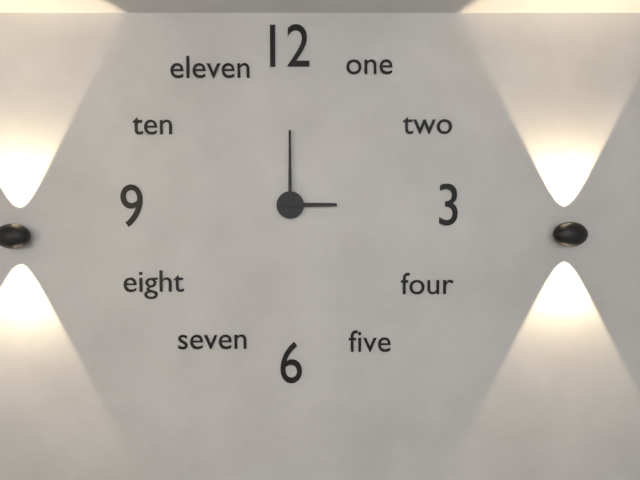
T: 3 h 00 min
